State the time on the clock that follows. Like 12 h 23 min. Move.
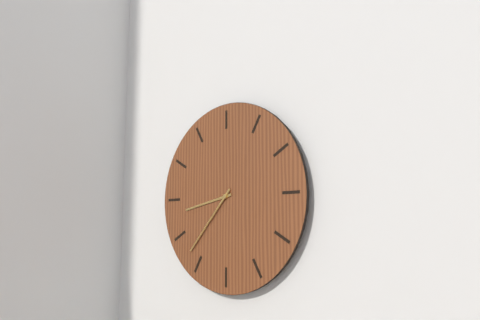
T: 8 h 37 min
